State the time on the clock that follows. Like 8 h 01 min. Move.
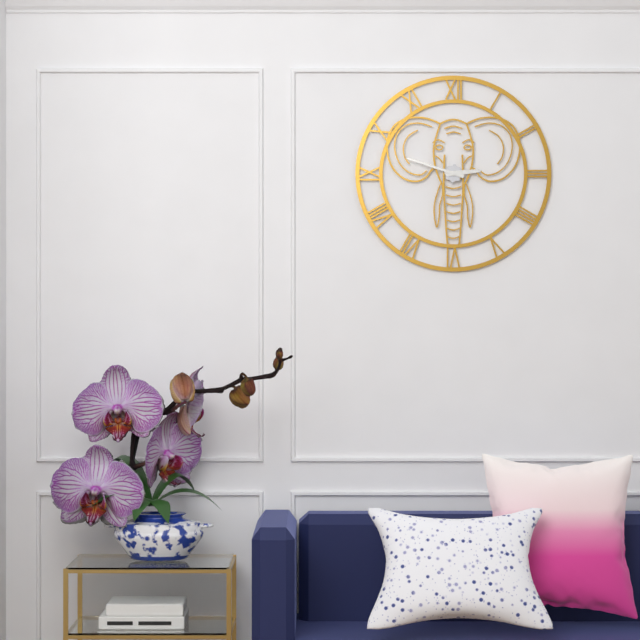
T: 2 h 48 min
